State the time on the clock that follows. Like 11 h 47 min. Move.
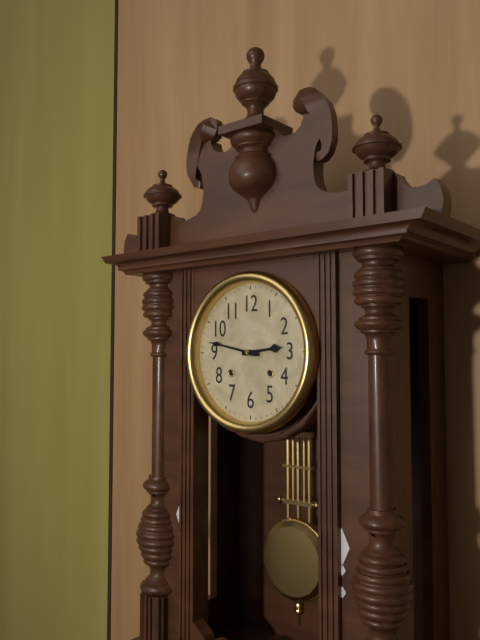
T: 2 h 47 min
